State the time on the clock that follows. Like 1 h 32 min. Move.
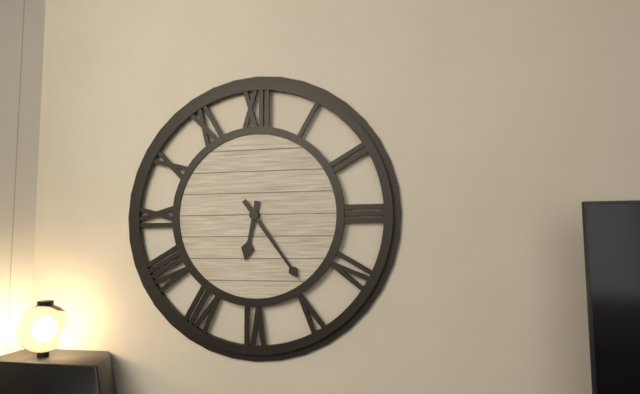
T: 6 h 24 min
